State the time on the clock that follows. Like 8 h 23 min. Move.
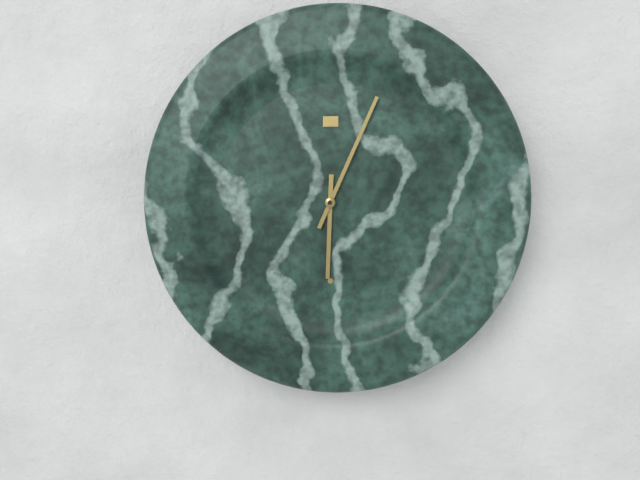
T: 6 h 04 min
